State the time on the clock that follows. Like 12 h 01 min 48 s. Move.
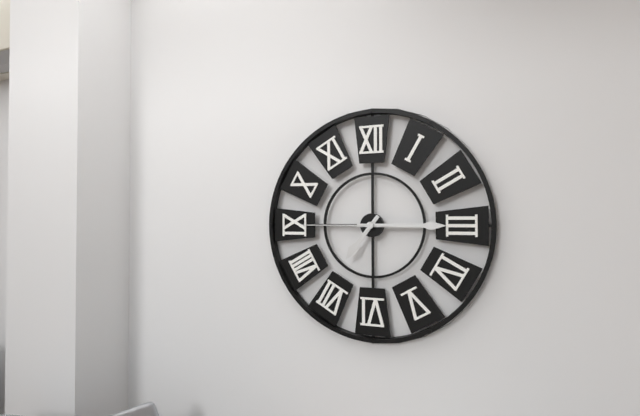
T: 7 h 15 min 45 s
